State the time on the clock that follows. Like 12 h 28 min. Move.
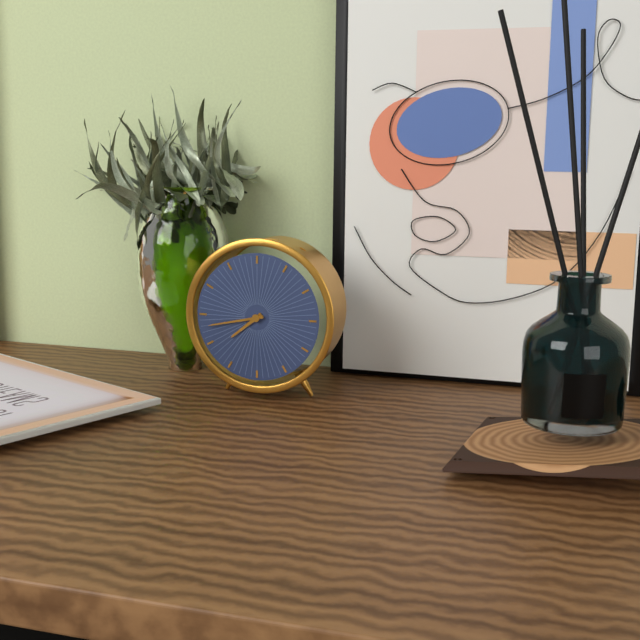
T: 7 h 43 min
